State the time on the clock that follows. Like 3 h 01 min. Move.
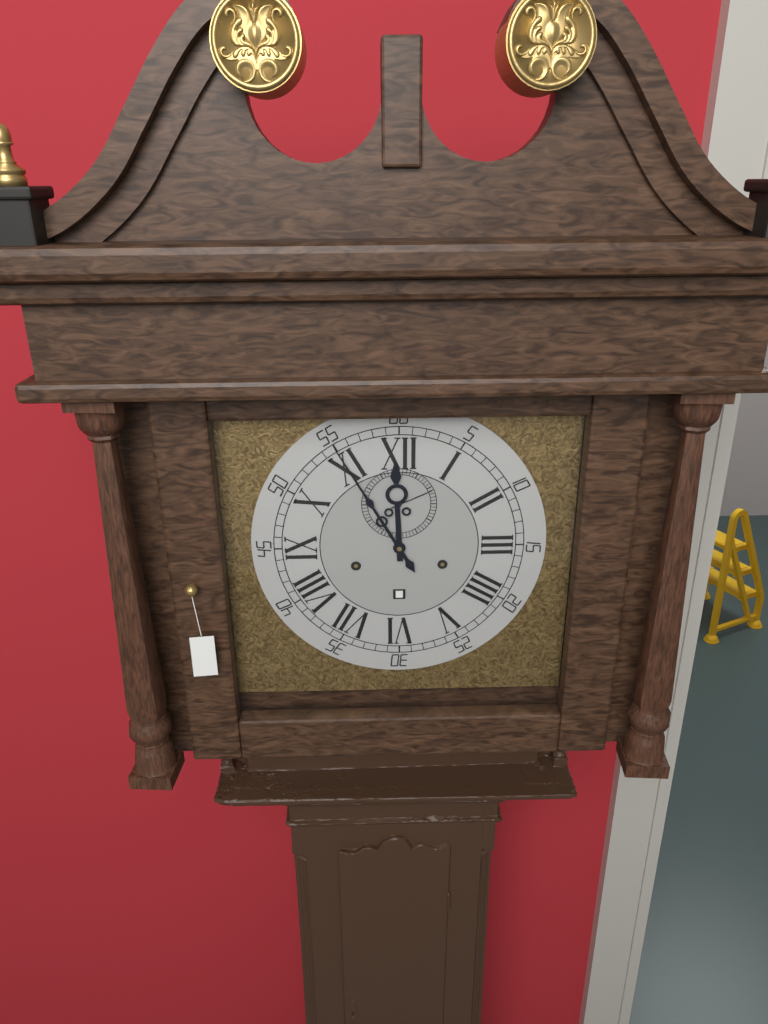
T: 11 h 55 min
